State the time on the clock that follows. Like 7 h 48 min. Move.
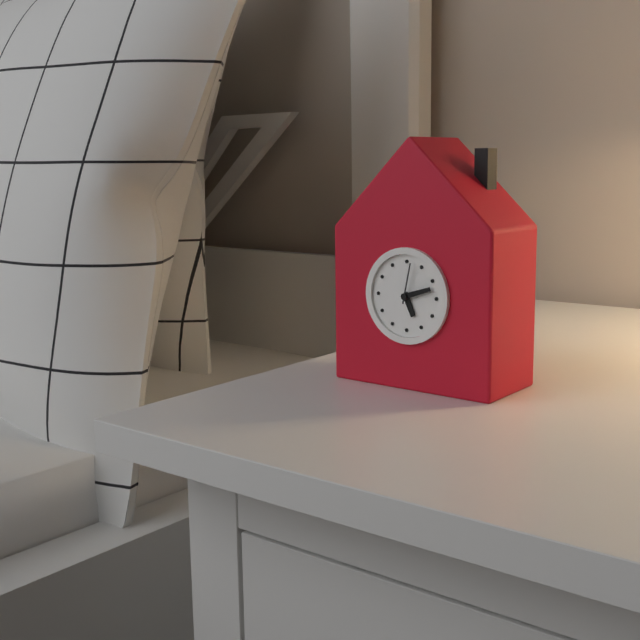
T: 5 h 12 min
